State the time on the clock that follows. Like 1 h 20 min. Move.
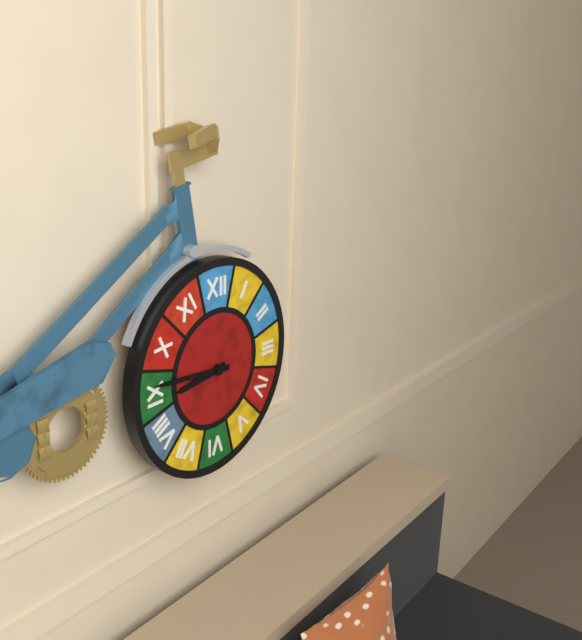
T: 8 h 46 min
